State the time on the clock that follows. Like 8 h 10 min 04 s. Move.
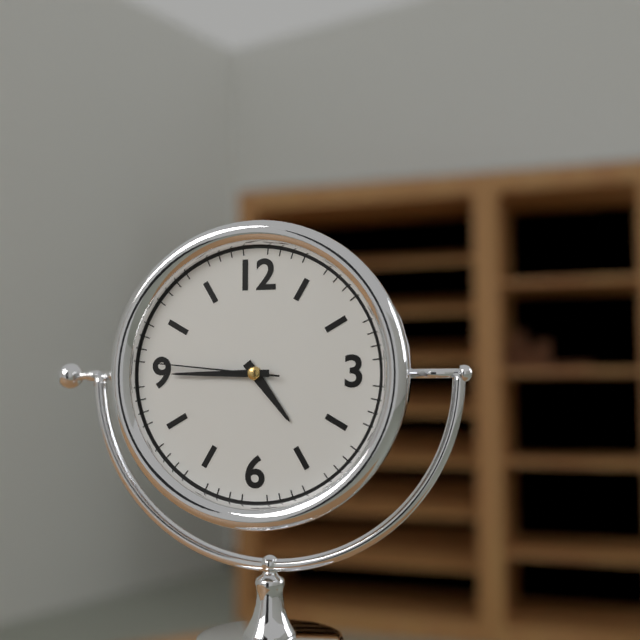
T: 4 h 45 min 46 s
